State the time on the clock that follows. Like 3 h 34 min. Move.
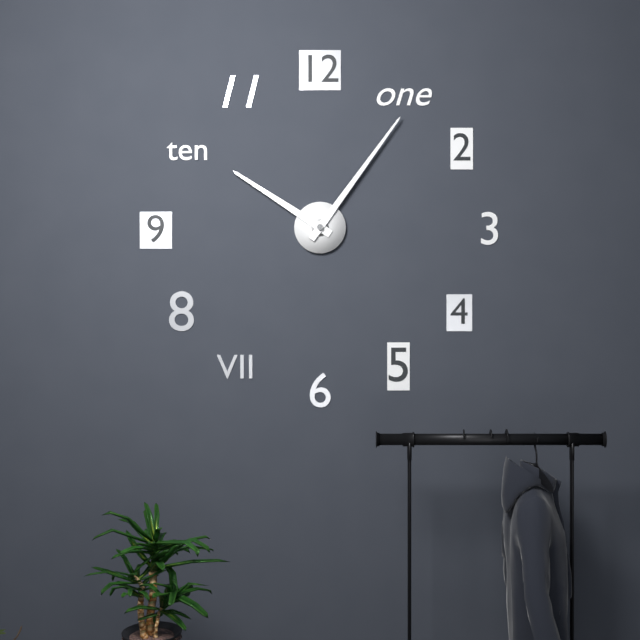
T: 10 h 06 min
